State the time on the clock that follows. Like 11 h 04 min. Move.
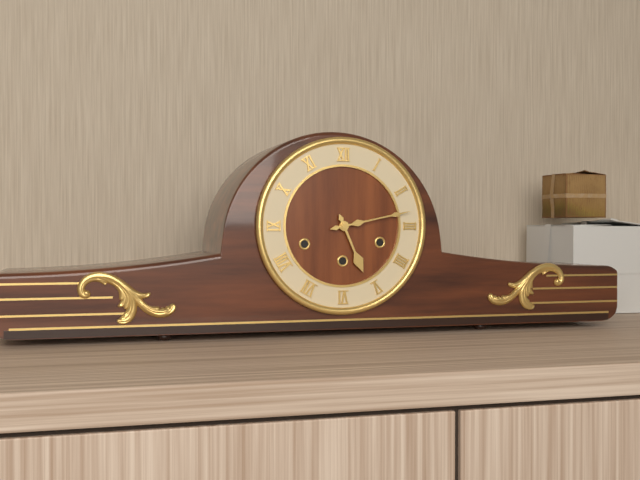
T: 5 h 13 min
